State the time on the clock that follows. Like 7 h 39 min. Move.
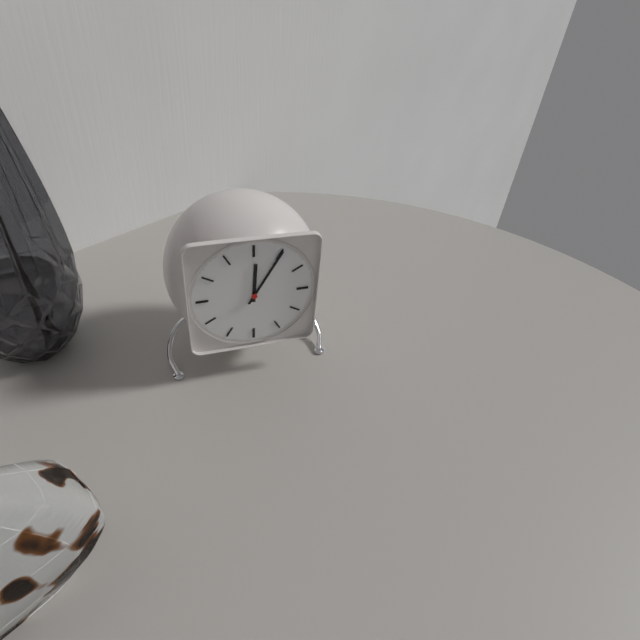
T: 12 h 05 min
